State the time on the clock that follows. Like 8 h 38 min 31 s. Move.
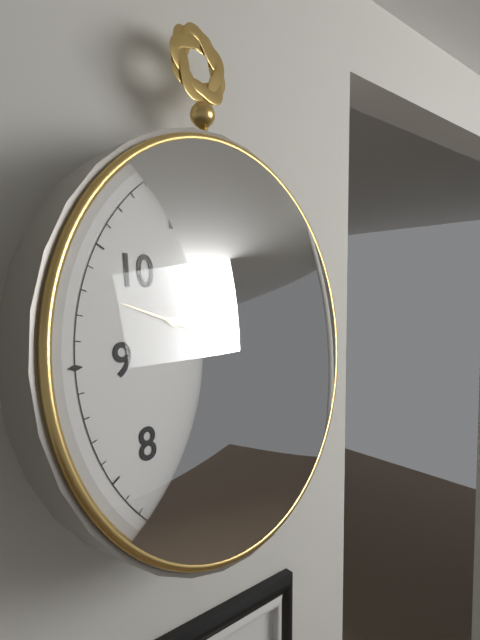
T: 2 h 48 min 59 s
